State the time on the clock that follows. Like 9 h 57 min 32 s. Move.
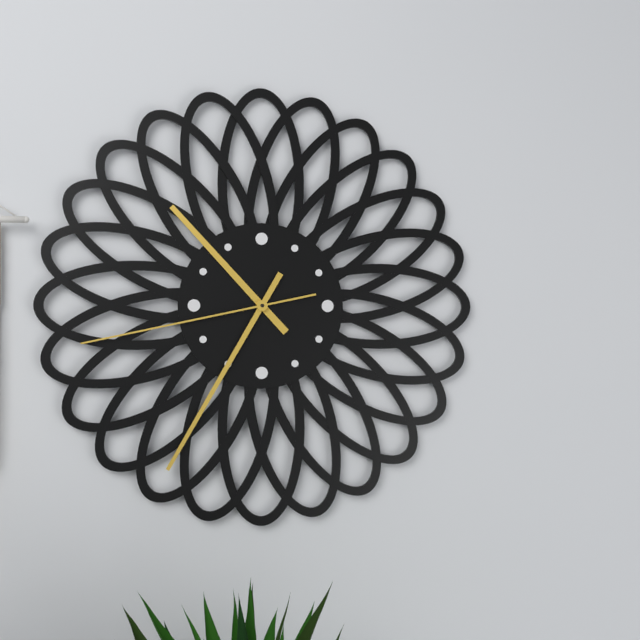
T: 10 h 35 min 43 s
